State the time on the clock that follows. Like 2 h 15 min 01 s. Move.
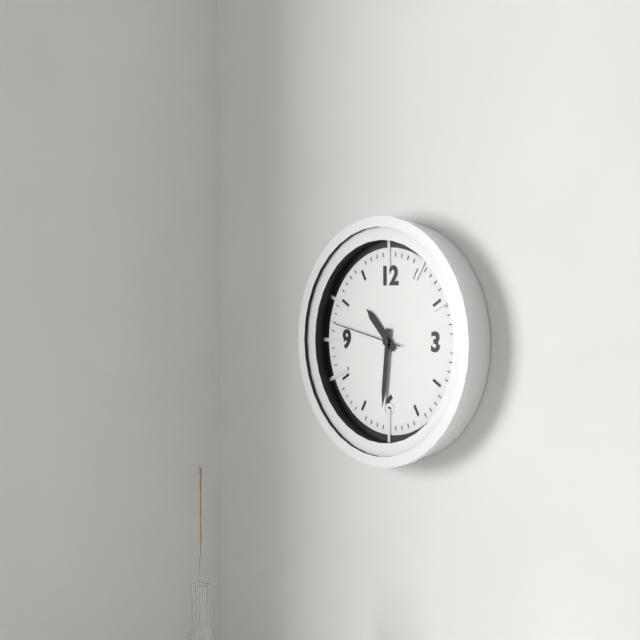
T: 10 h 31 min 47 s
